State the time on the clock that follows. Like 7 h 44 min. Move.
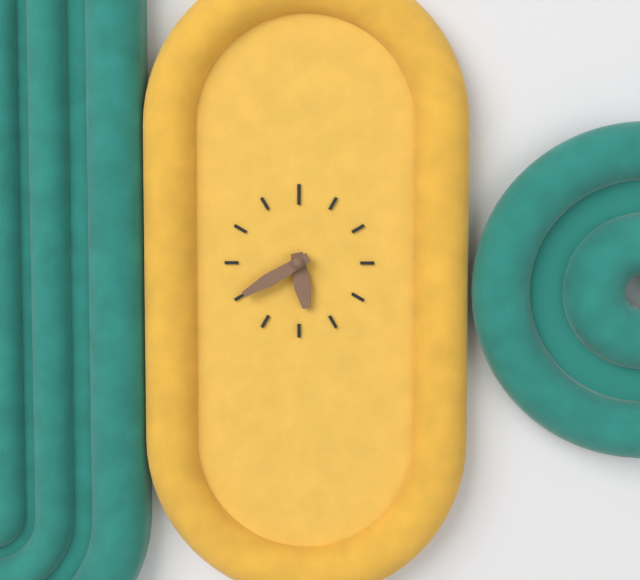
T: 5 h 40 min
